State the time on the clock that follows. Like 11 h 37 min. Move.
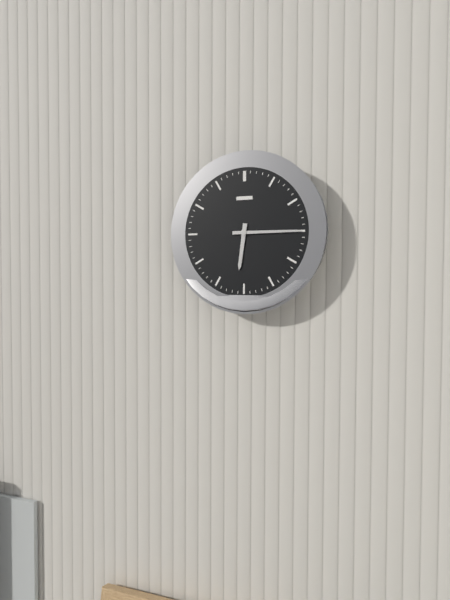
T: 6 h 15 min
